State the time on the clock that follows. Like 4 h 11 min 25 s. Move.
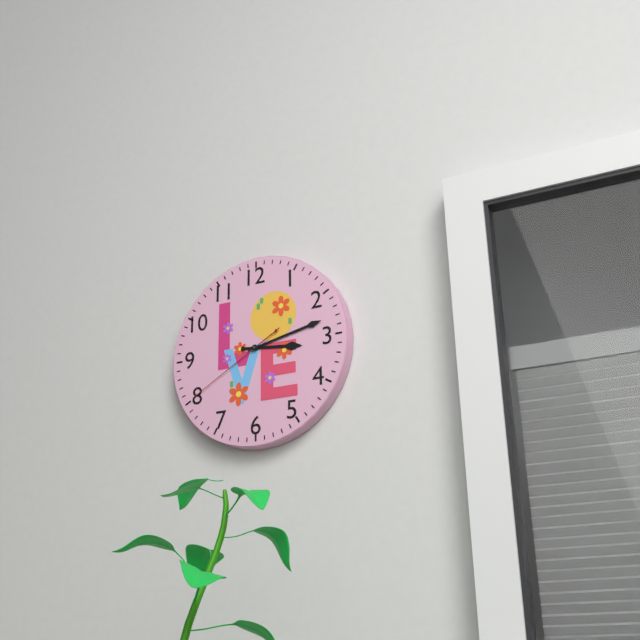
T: 3 h 13 min 40 s
